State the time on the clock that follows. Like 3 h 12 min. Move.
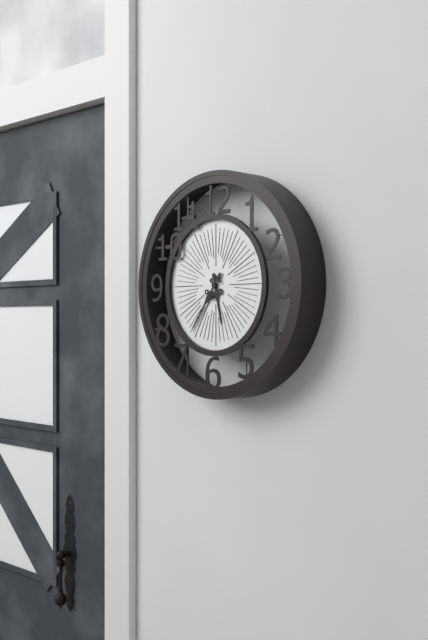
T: 5 h 36 min
